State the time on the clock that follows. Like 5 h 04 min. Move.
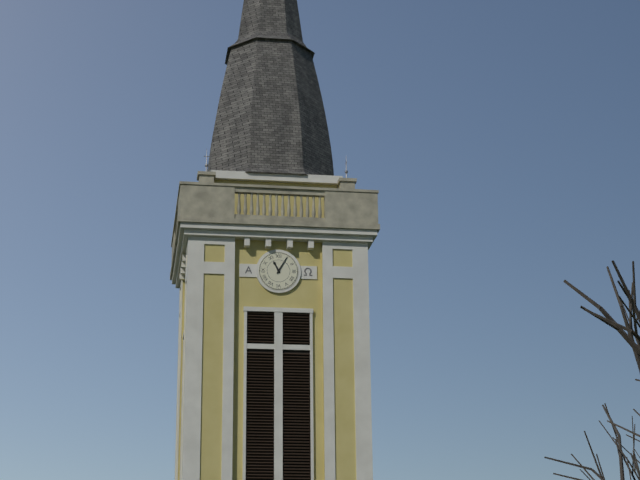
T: 11 h 05 min
